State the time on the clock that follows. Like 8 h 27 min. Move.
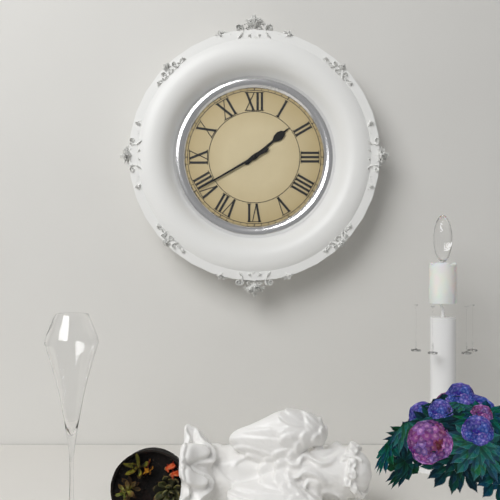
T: 1 h 40 min
